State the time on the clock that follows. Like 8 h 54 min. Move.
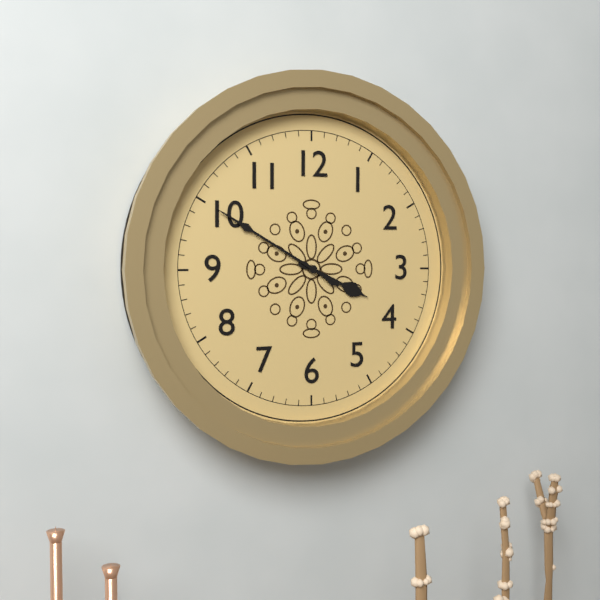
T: 3 h 50 min
